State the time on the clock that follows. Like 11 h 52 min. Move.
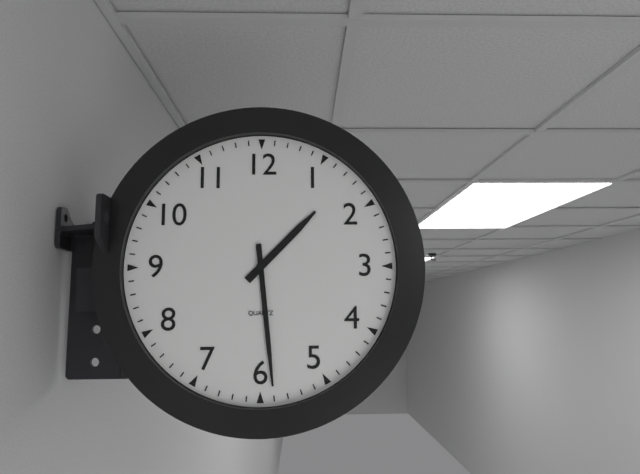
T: 1 h 29 min
